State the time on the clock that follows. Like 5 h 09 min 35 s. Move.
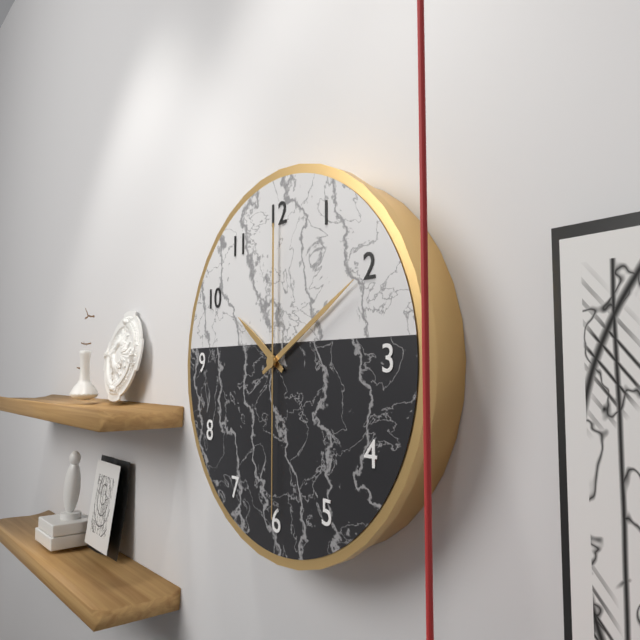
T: 10 h 10 min 30 s
